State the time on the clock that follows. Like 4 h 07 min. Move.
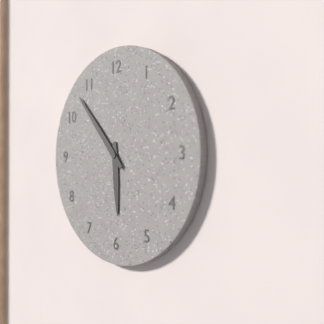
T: 5 h 53 min
